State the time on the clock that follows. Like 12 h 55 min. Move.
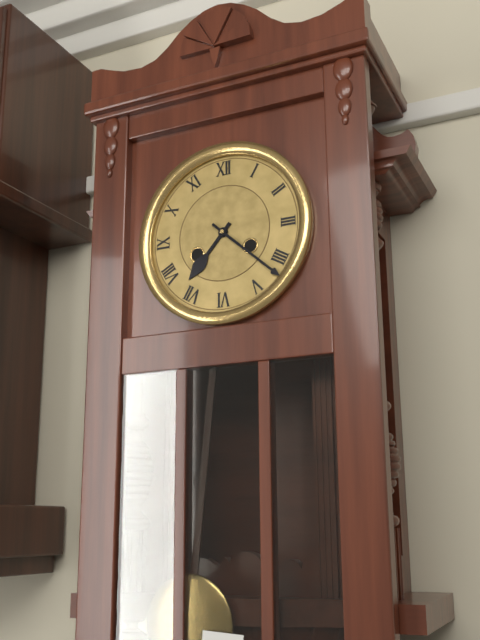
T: 7 h 22 min
